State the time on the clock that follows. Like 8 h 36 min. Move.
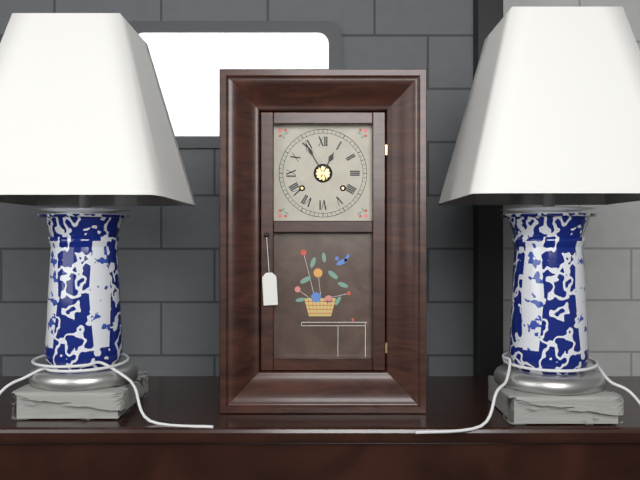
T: 12 h 55 min
